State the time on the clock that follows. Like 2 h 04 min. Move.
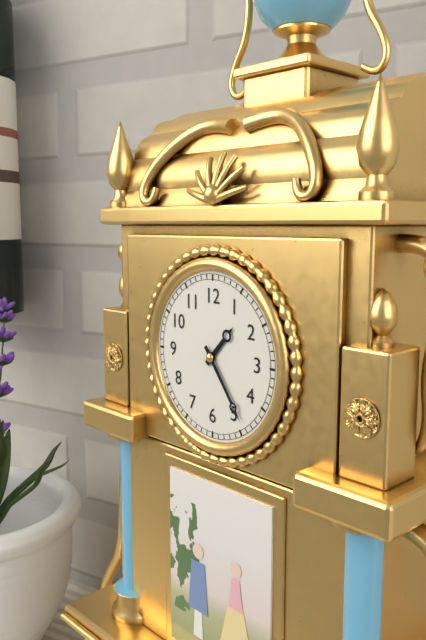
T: 1 h 24 min
